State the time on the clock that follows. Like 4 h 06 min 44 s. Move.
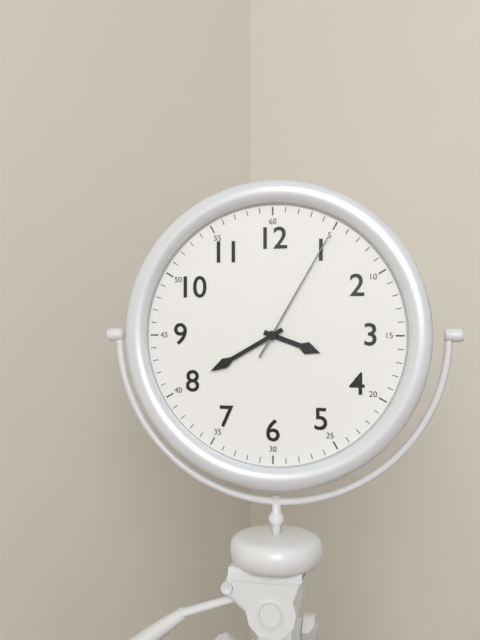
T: 3 h 40 min 05 s
